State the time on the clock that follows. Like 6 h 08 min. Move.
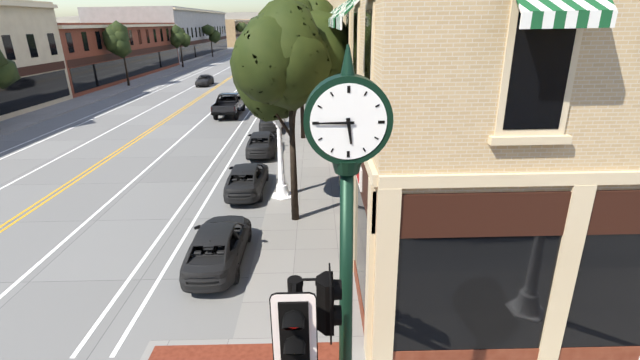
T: 5 h 45 min
